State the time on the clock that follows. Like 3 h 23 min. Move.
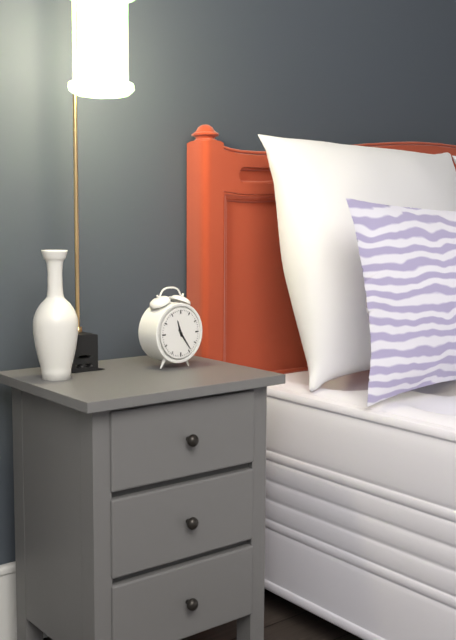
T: 11 h 24 min
